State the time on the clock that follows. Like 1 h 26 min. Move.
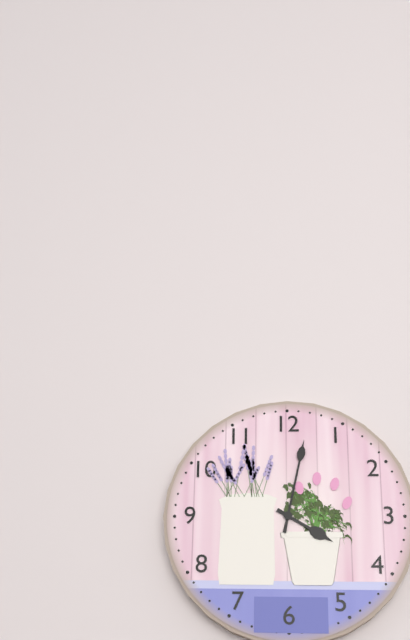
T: 4 h 02 min
